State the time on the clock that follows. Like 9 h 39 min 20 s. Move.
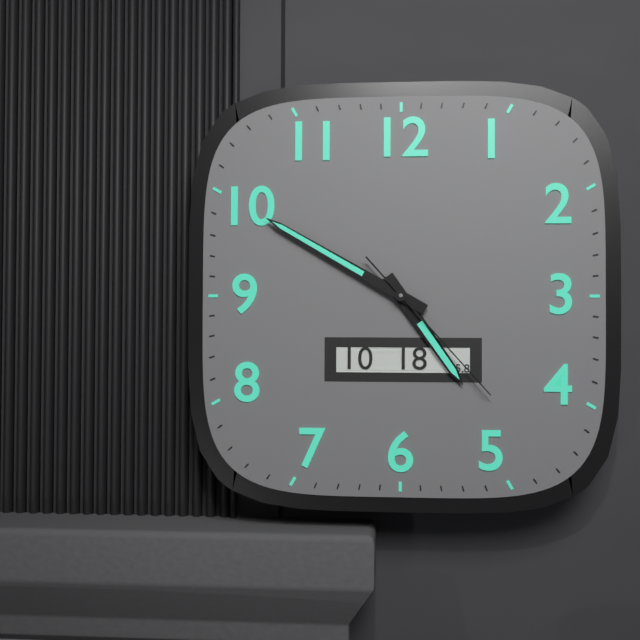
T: 4 h 50 min 23 s
